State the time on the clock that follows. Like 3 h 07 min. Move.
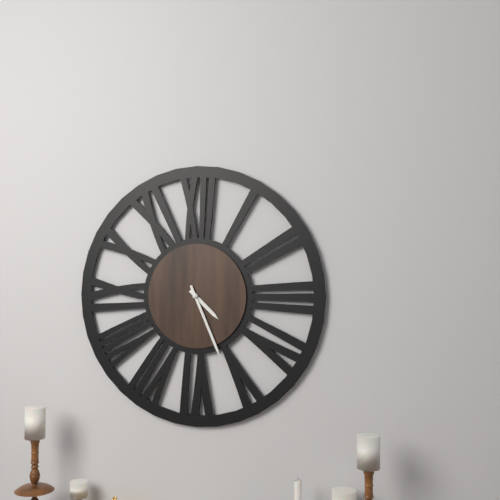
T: 4 h 26 min
